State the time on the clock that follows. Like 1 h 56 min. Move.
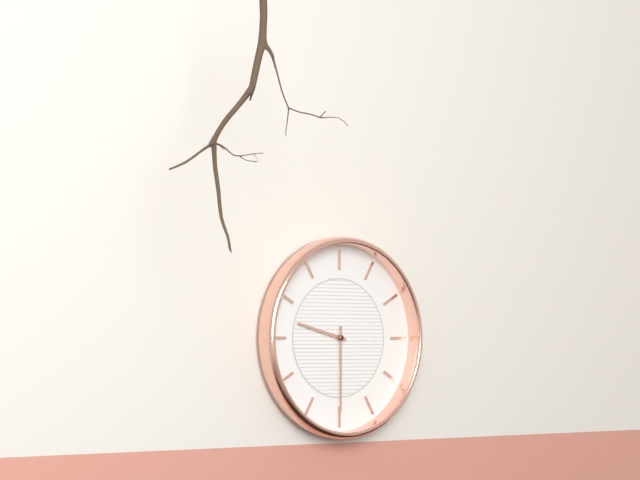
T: 9 h 30 min
